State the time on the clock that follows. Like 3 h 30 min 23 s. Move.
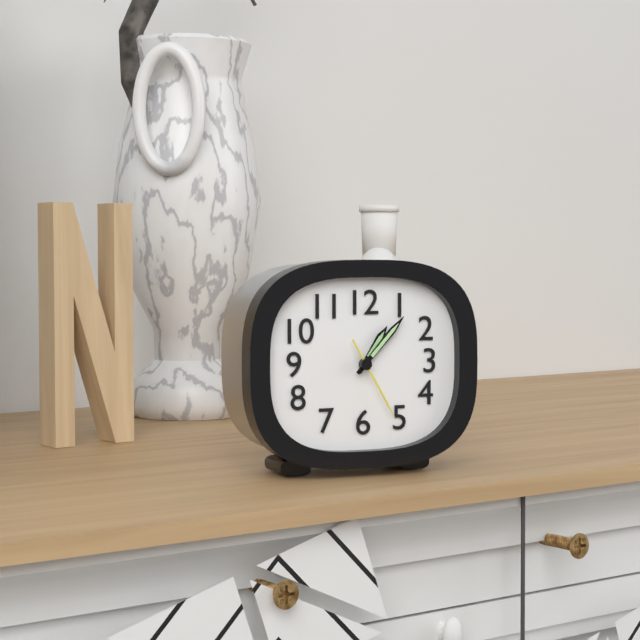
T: 1 h 07 min 25 s
